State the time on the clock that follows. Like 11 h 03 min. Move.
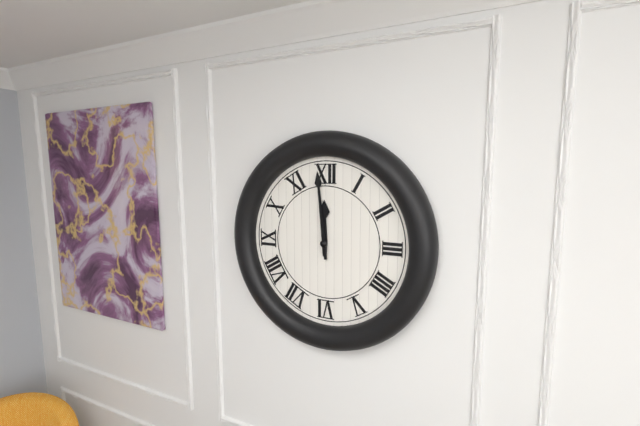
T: 11 h 59 min
